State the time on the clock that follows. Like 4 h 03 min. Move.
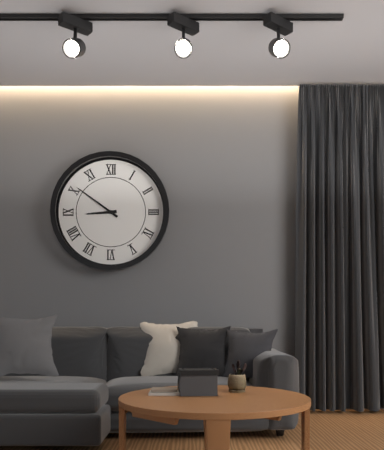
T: 8 h 51 min
